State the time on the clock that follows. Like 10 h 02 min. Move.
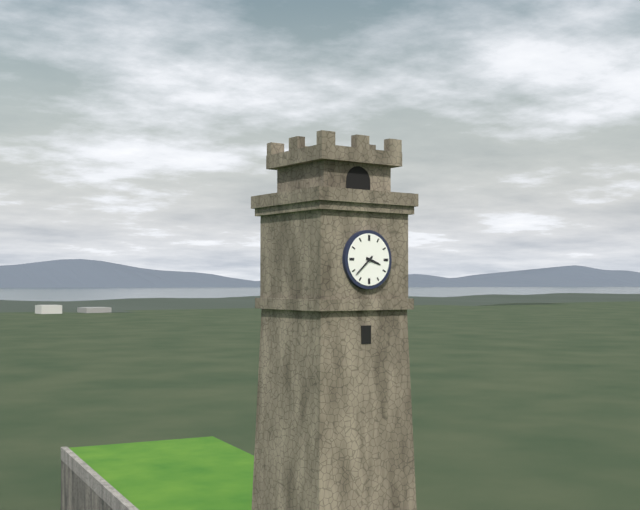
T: 3 h 38 min
